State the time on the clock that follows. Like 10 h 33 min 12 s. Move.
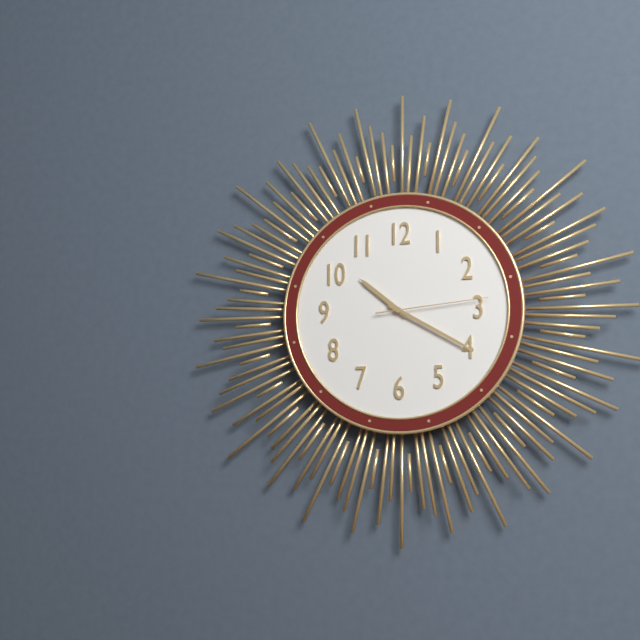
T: 10 h 20 min 14 s
